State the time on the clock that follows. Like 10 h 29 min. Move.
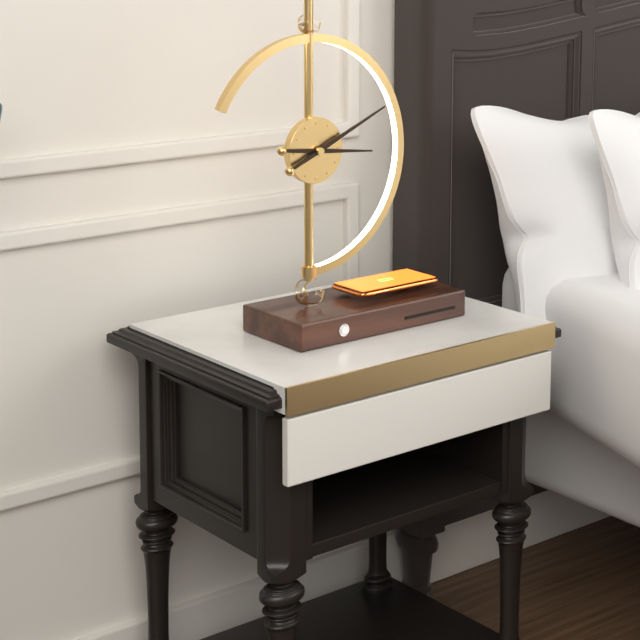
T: 3 h 11 min
